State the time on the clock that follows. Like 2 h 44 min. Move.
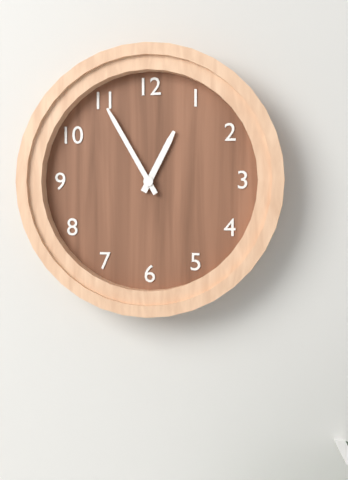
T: 12 h 55 min
